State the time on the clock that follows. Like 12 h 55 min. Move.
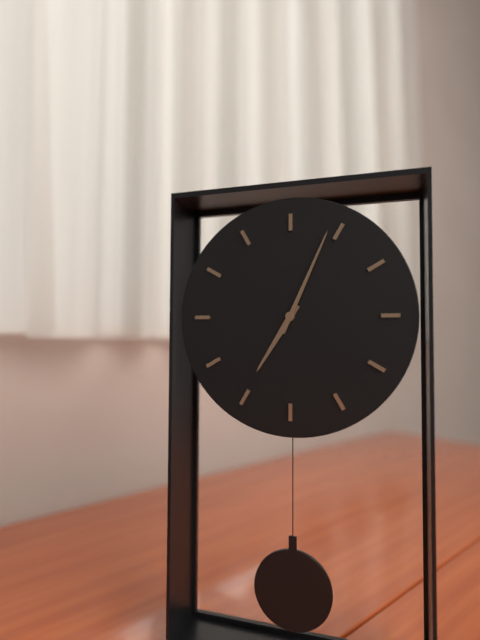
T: 7 h 04 min
